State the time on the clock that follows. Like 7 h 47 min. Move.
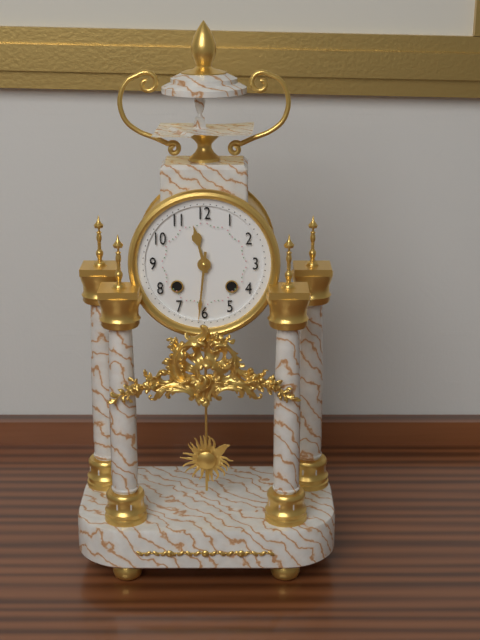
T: 11 h 31 min
